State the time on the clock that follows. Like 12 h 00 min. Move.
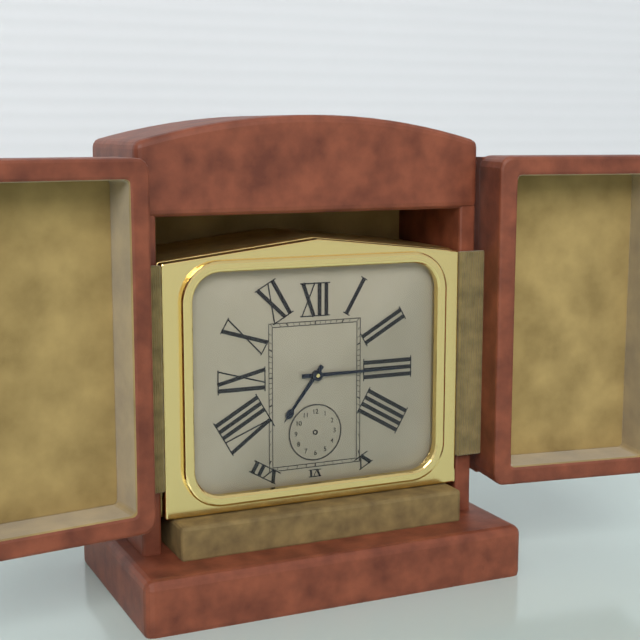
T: 7 h 15 min
